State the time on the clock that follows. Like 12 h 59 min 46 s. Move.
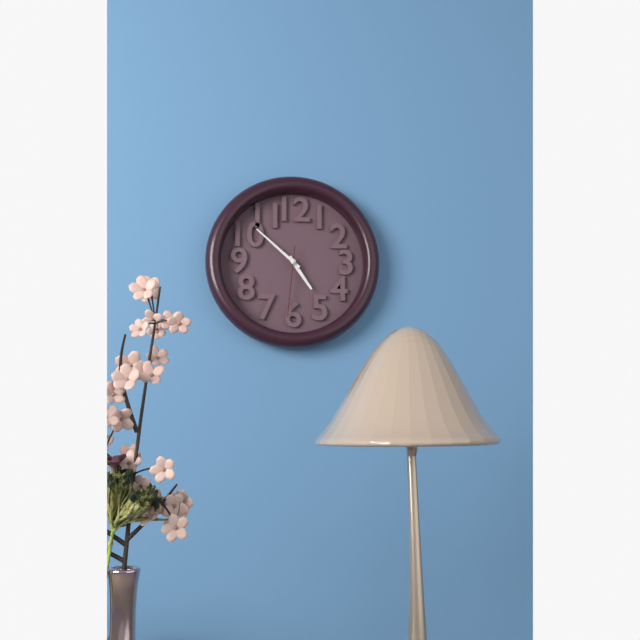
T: 4 h 52 min 31 s
